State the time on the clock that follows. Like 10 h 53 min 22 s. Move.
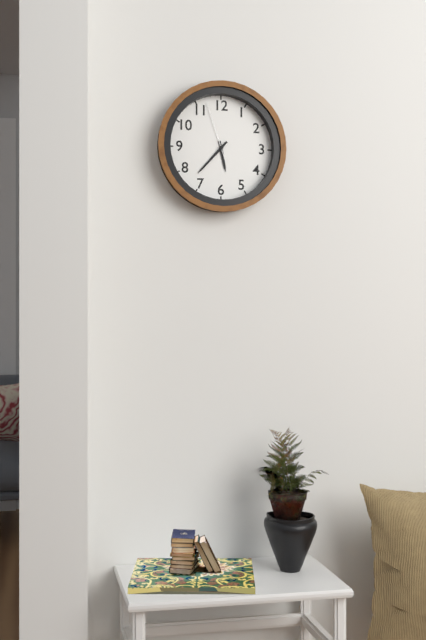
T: 5 h 37 min 57 s
